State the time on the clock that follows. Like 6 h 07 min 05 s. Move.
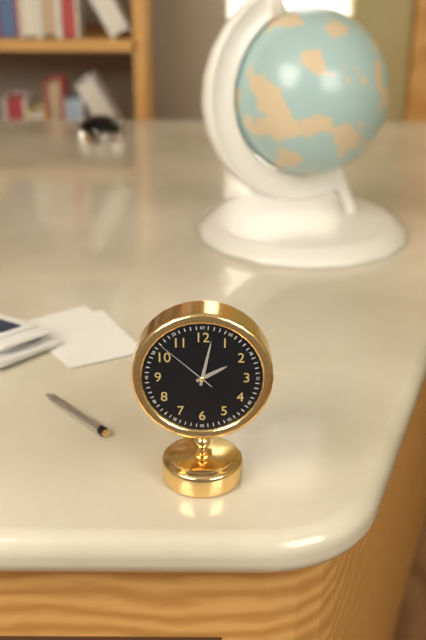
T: 2 h 02 min 52 s
